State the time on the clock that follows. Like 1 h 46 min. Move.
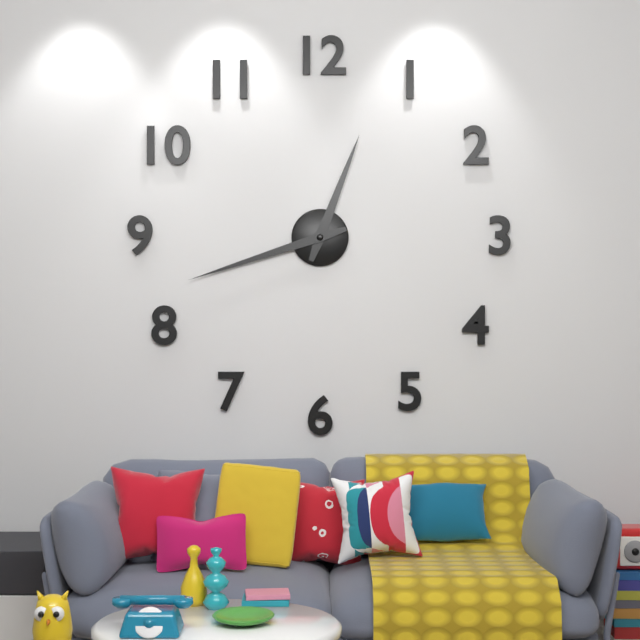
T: 12 h 42 min
